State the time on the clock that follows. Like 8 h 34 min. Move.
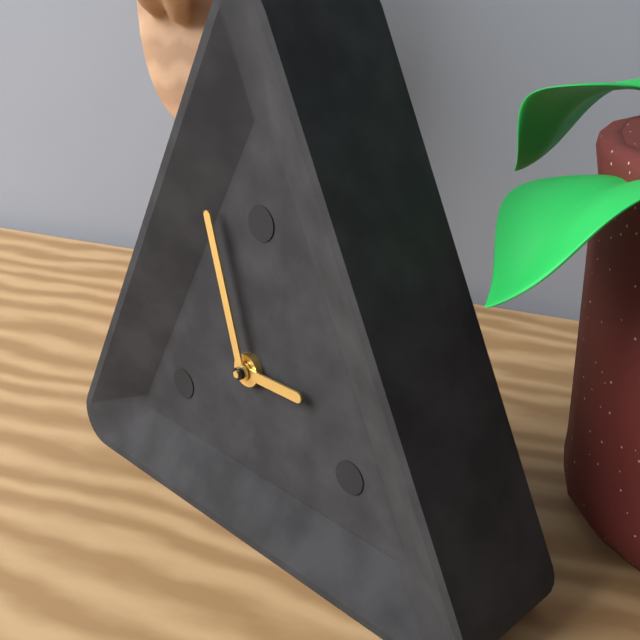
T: 2 h 57 min
